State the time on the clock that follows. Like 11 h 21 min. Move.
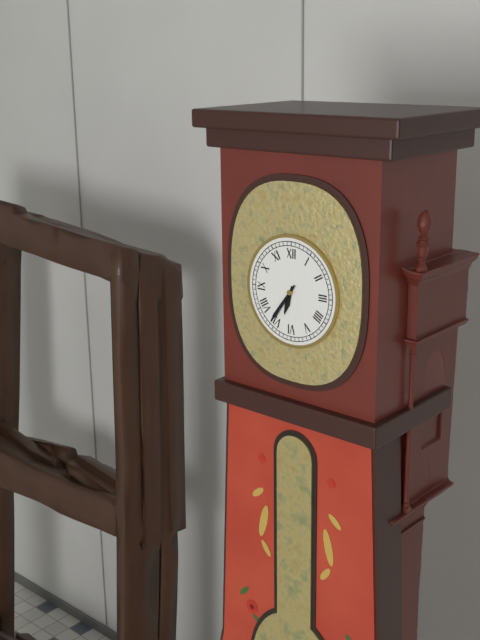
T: 6 h 36 min
